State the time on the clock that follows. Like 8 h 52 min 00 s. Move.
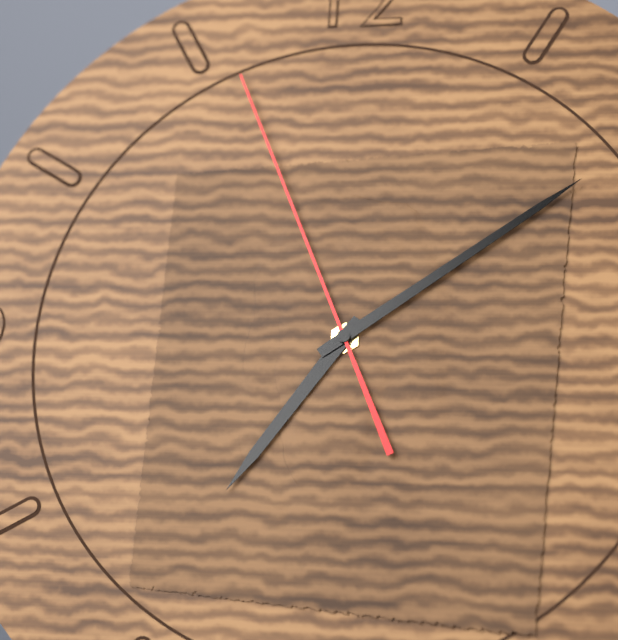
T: 7 h 09 min 56 s
